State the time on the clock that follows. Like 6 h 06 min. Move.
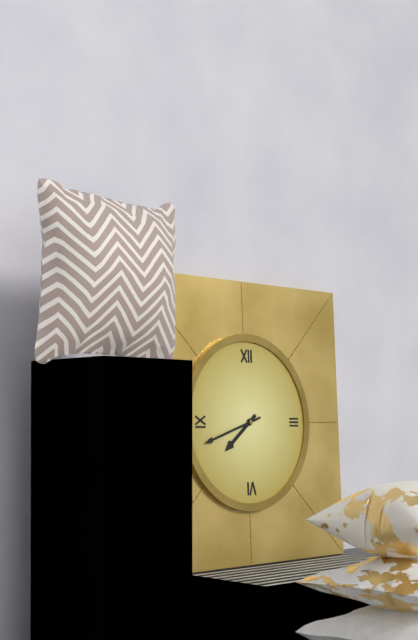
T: 7 h 42 min
